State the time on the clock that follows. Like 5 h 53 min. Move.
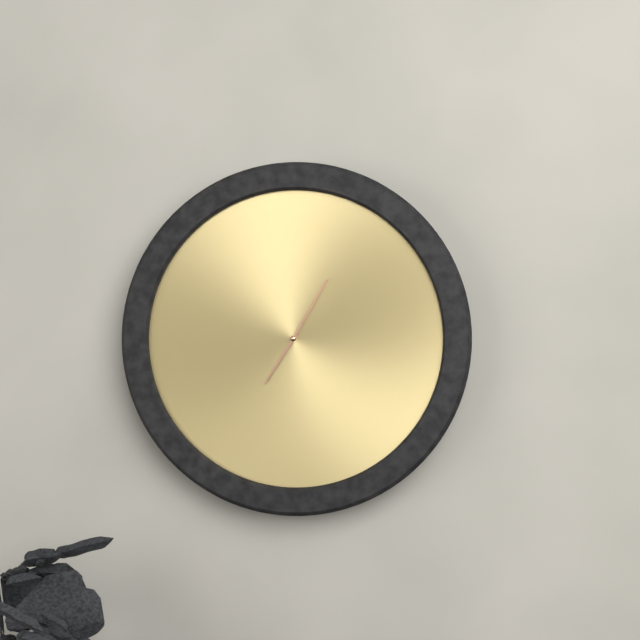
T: 7 h 05 min
